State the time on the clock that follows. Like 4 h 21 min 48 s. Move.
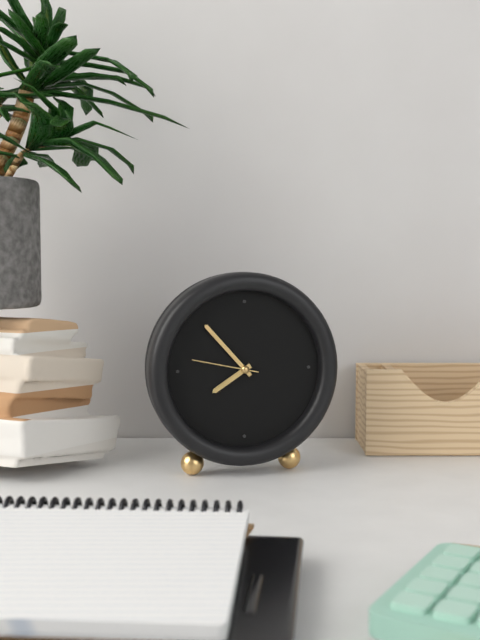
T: 7 h 53 min 47 s
